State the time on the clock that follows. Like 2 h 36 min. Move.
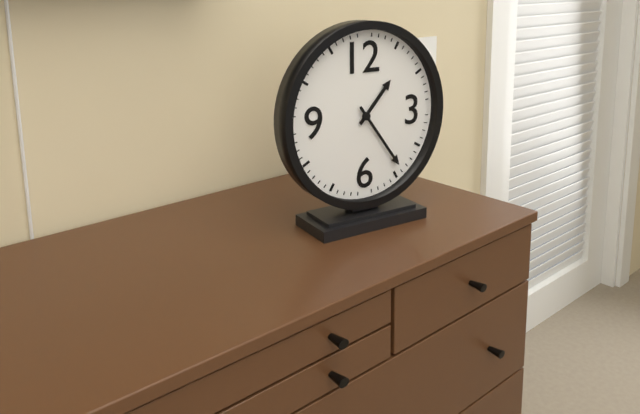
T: 1 h 24 min
